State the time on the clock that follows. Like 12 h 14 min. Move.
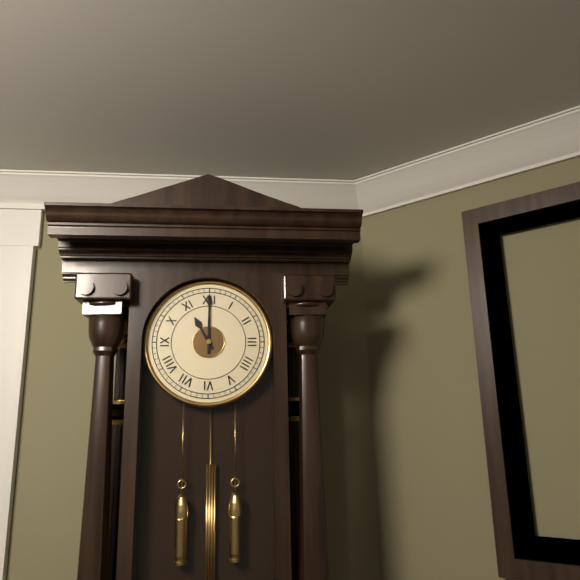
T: 11 h 00 min
